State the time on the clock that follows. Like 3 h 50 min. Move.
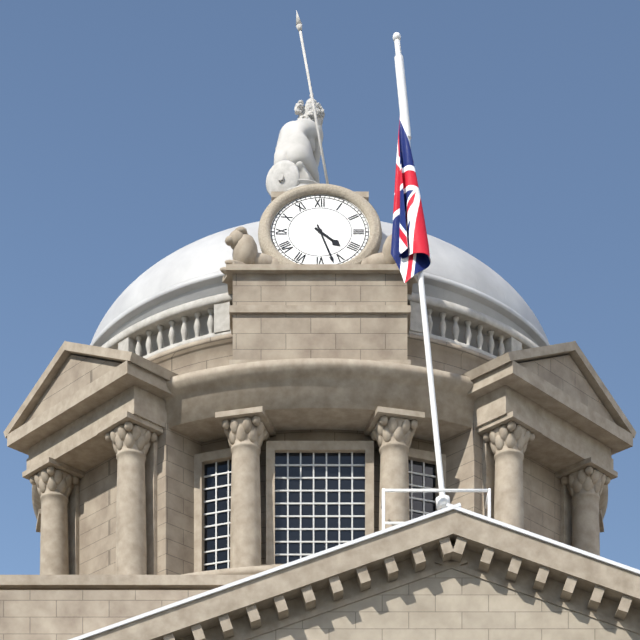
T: 4 h 27 min
